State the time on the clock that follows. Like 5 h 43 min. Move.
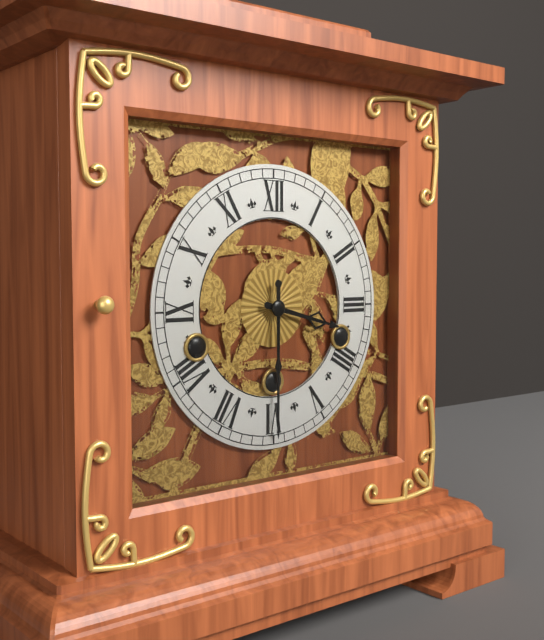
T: 3 h 30 min
